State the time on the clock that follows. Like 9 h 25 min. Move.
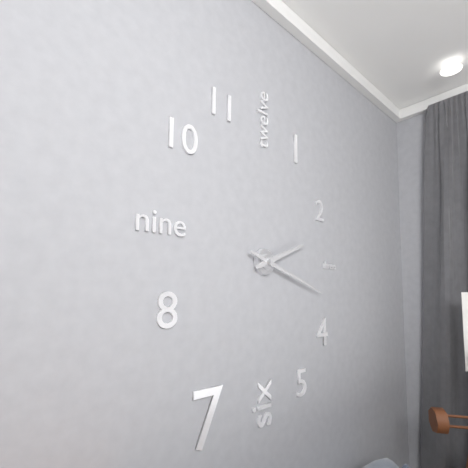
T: 2 h 18 min
